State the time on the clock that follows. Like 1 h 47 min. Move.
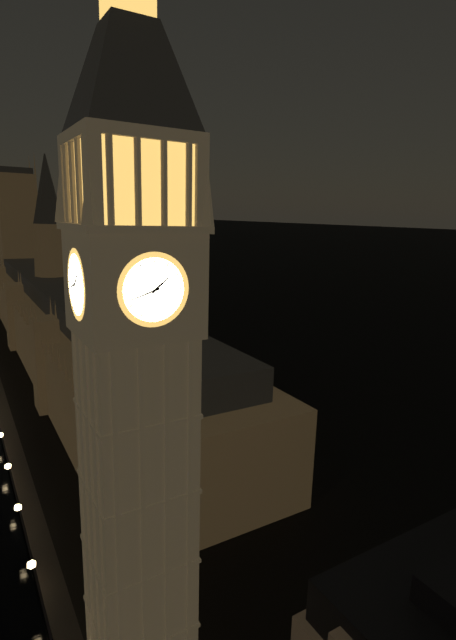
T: 1 h 42 min
